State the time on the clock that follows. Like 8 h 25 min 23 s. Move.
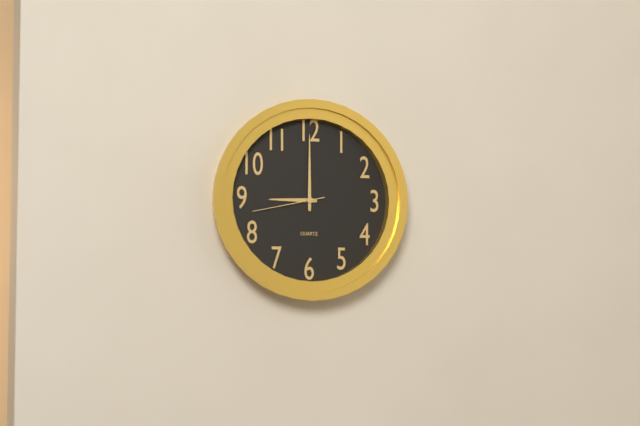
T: 9 h 00 min 43 s
